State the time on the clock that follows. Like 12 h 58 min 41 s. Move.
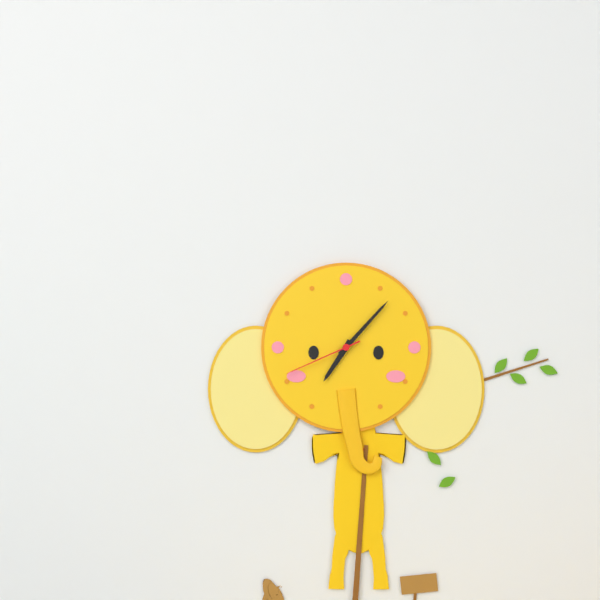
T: 7 h 07 min 41 s
